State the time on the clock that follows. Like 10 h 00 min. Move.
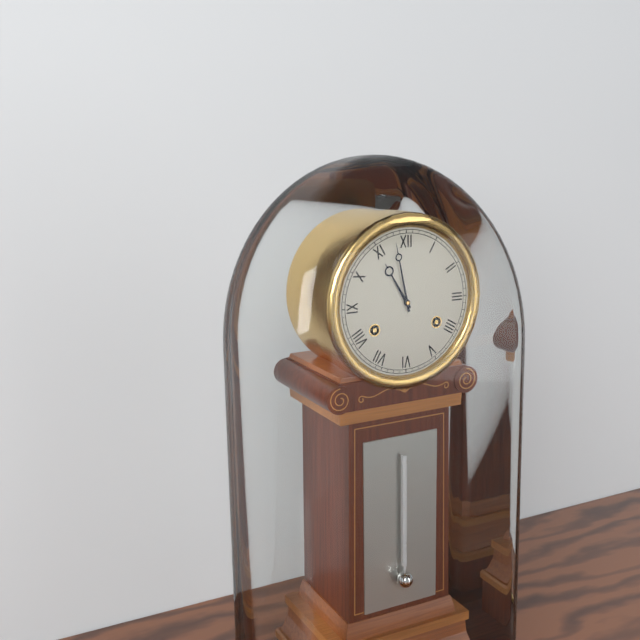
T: 10 h 58 min
